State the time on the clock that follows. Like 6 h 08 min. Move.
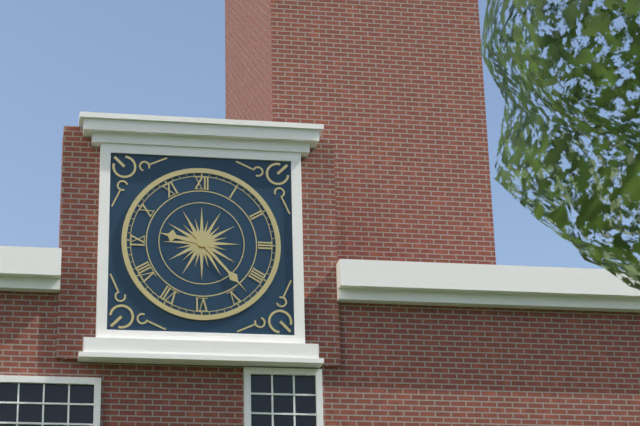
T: 9 h 23 min
